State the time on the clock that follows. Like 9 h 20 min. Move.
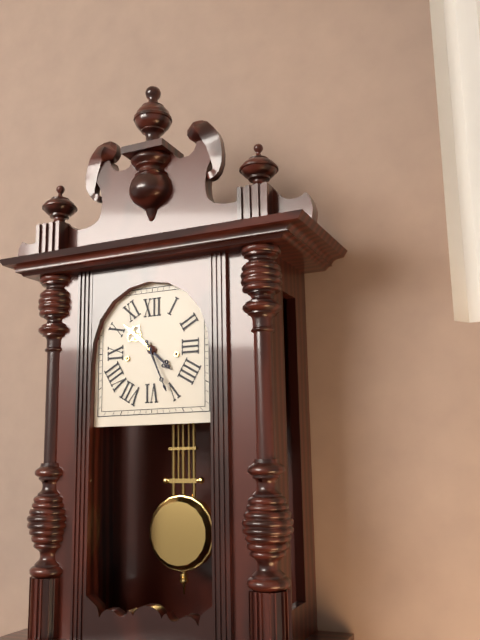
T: 4 h 26 min
